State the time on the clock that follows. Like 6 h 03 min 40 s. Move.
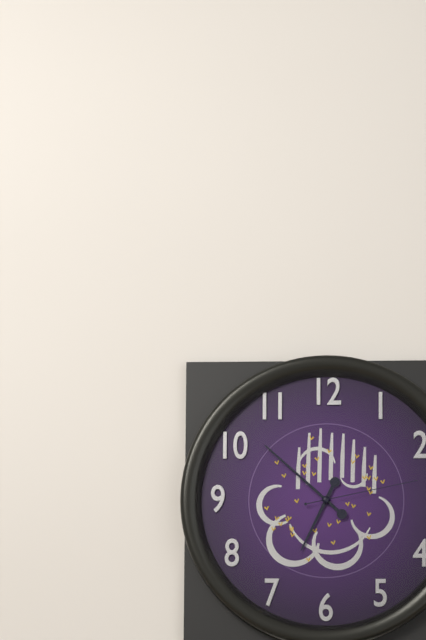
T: 6 h 52 min 13 s
